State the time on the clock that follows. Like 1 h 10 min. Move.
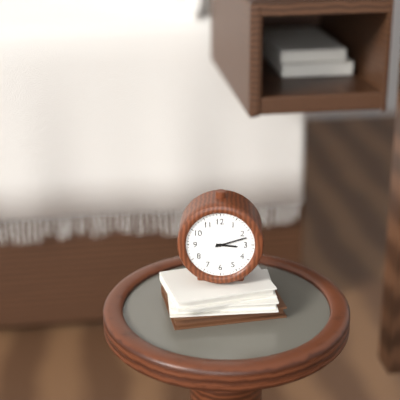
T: 3 h 12 min
